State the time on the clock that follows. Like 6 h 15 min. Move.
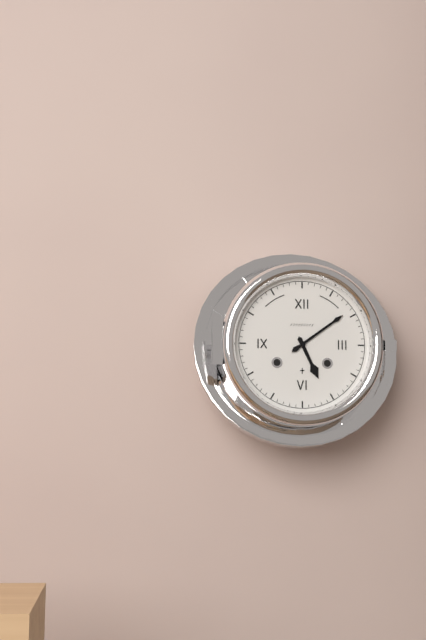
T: 5 h 09 min
